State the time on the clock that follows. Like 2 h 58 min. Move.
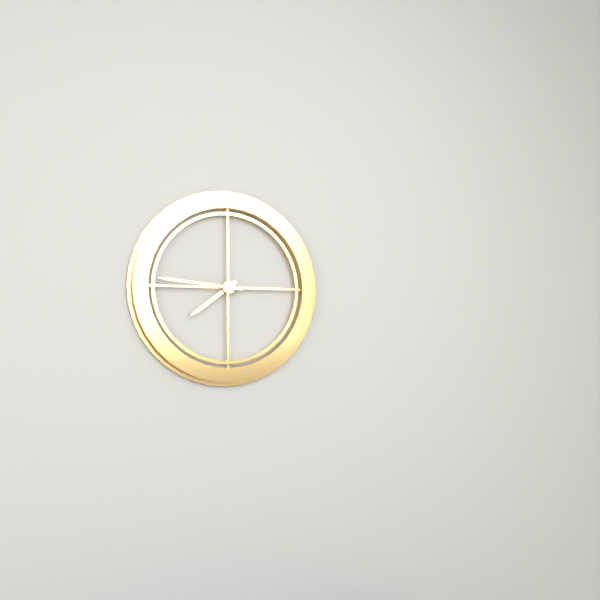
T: 7 h 46 min
